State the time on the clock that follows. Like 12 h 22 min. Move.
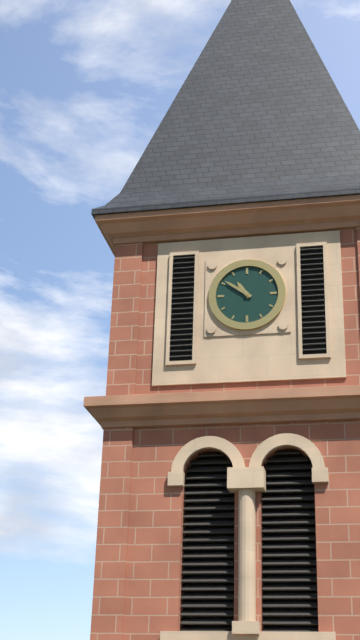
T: 10 h 51 min
